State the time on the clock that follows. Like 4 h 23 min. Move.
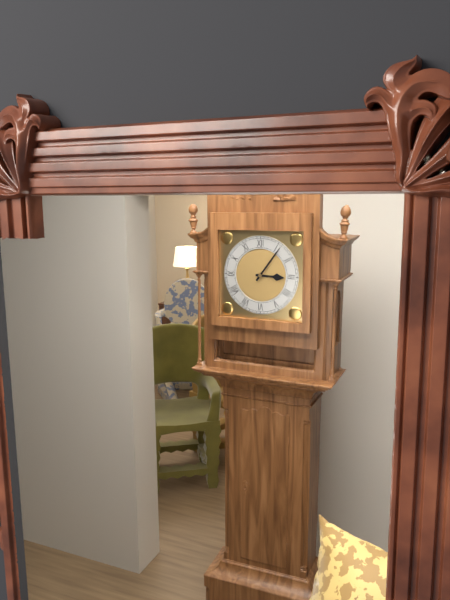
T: 3 h 06 min
